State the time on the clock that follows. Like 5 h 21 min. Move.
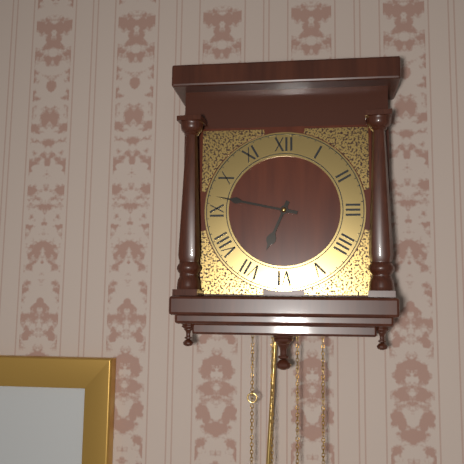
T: 6 h 47 min
